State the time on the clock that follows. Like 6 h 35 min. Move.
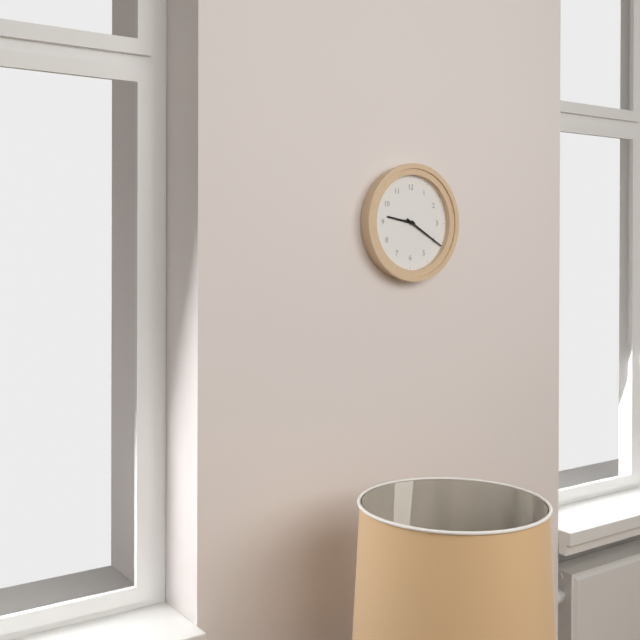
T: 9 h 20 min
